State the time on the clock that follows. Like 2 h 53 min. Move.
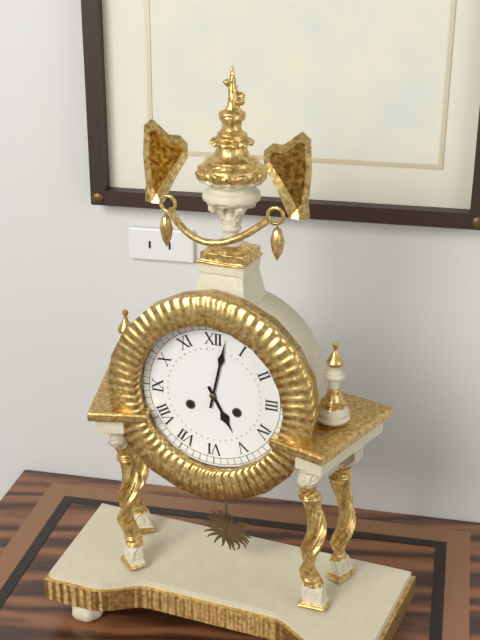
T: 5 h 02 min
